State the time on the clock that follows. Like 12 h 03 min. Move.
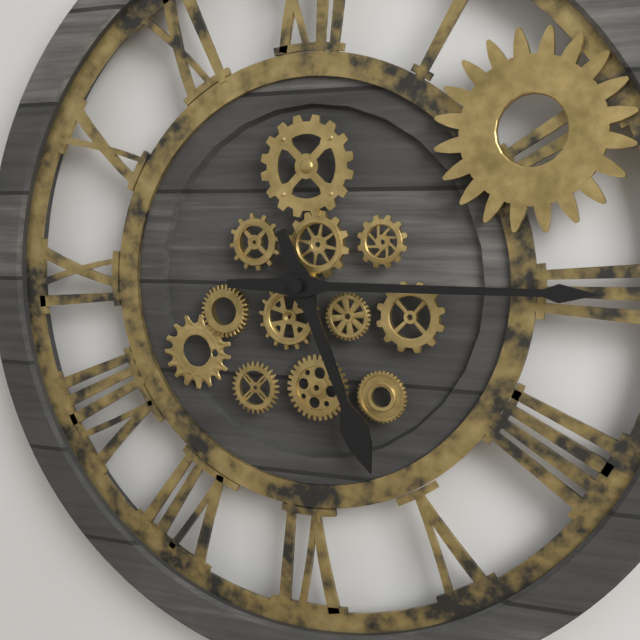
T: 5 h 15 min
